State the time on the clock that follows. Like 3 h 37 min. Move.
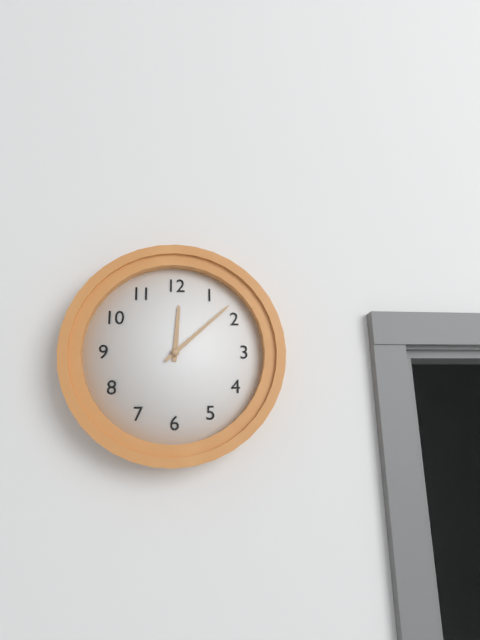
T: 12 h 08 min
